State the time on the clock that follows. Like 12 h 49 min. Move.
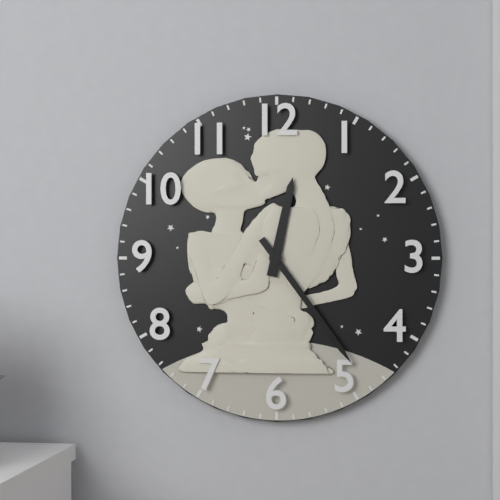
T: 12 h 24 min
